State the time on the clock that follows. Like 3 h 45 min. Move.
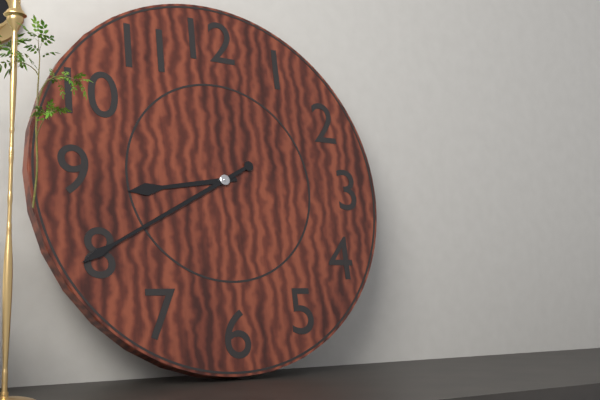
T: 8 h 40 min
